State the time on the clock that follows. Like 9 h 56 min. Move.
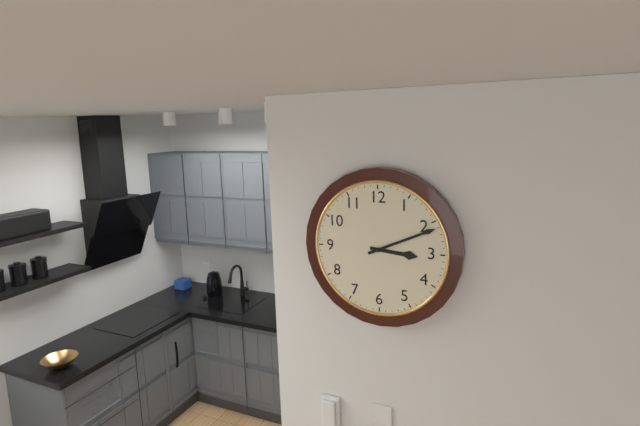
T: 3 h 11 min
